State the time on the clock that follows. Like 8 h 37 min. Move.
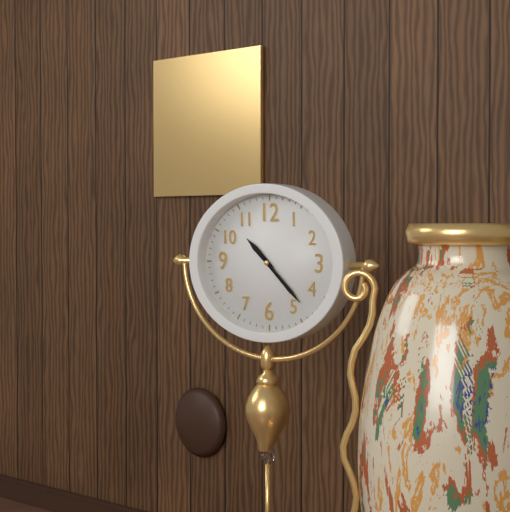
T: 10 h 22 min
